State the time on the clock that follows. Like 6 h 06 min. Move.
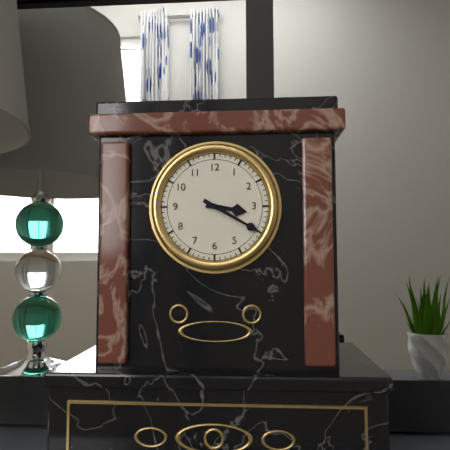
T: 3 h 20 min
